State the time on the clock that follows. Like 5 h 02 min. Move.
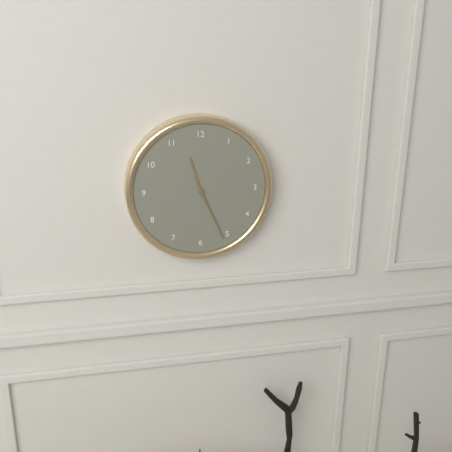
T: 11 h 26 min
